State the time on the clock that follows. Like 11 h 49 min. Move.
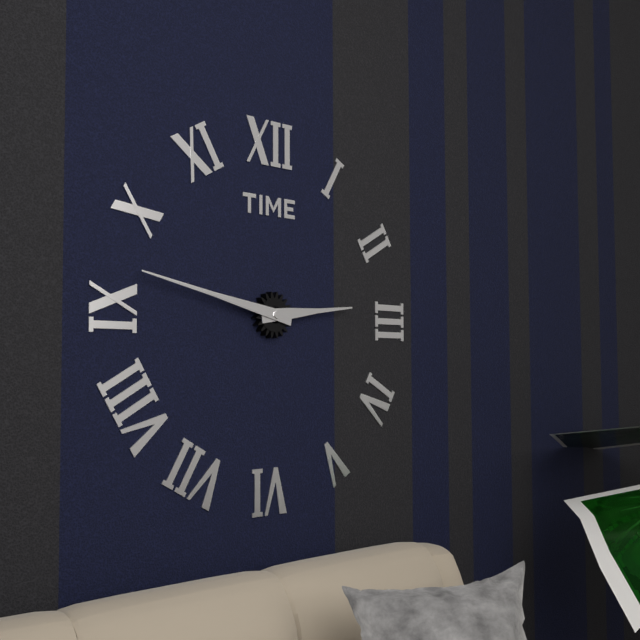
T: 2 h 47 min
